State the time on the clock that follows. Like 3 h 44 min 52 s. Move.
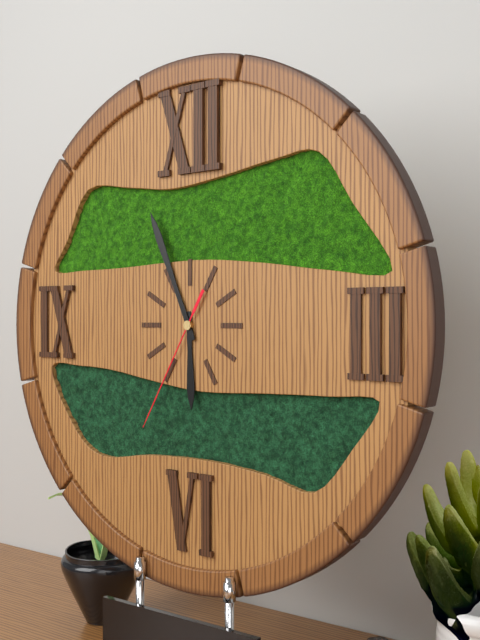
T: 5 h 56 min 35 s
